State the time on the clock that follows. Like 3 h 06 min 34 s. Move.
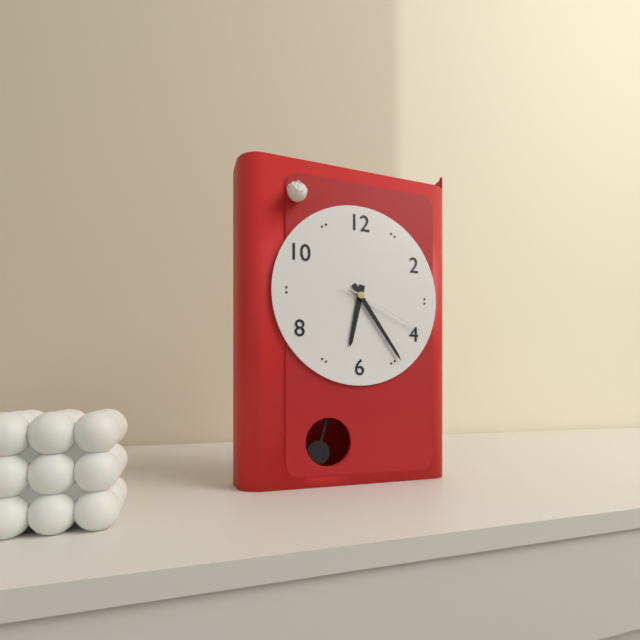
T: 6 h 24 min 19 s
